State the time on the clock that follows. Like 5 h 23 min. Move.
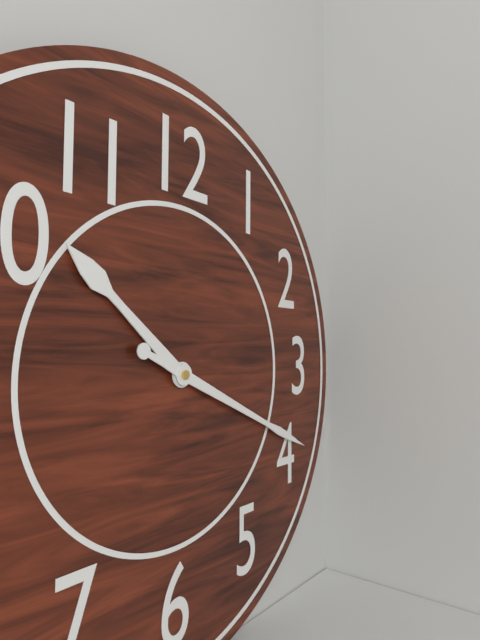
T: 10 h 19 min
